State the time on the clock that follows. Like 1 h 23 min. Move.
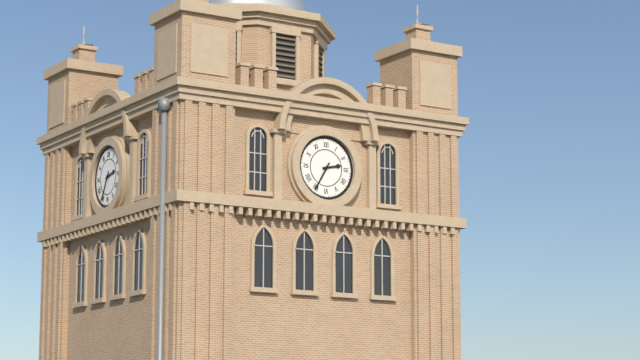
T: 2 h 35 min
